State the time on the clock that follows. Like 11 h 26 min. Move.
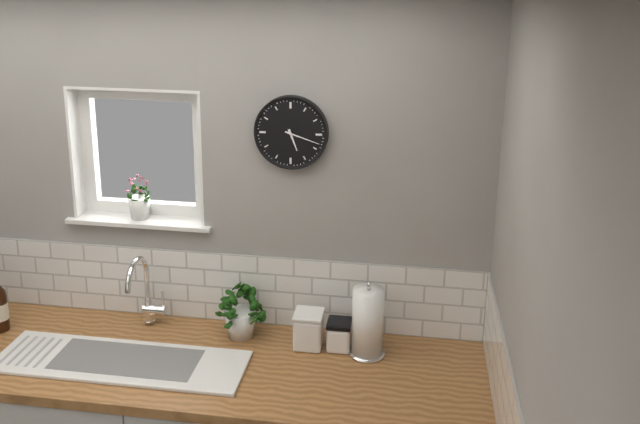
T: 5 h 18 min
